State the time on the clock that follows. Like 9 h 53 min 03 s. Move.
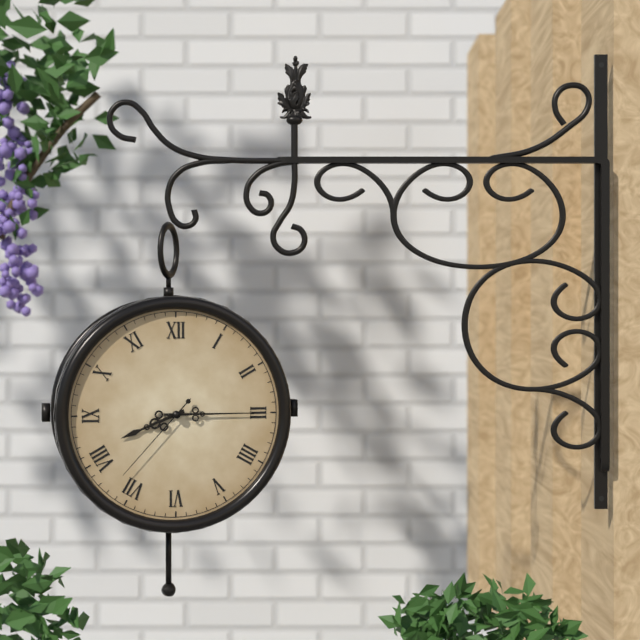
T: 8 h 15 min 37 s
